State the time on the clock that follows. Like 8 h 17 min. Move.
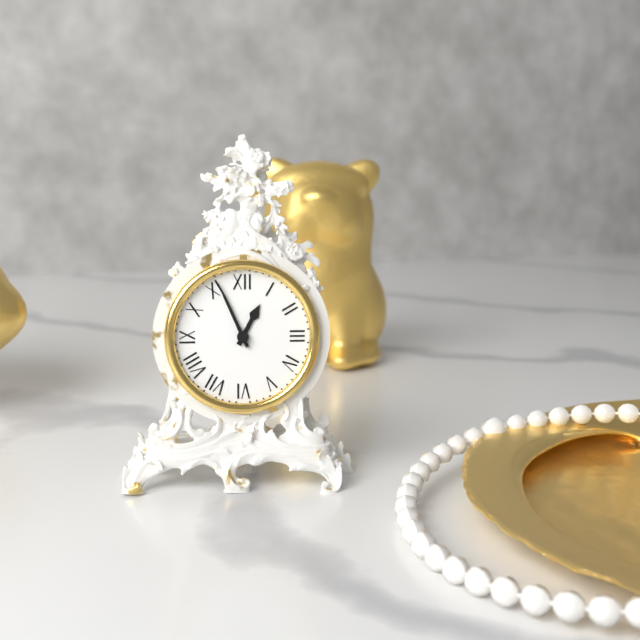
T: 12 h 56 min
